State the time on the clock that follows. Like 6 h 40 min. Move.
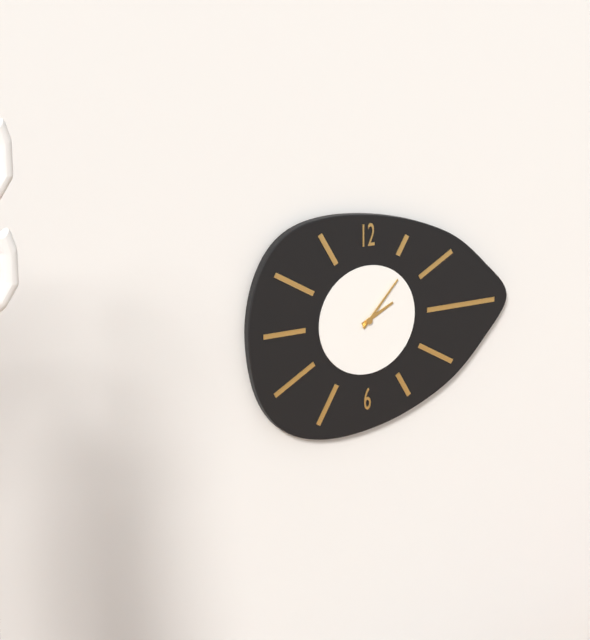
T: 2 h 07 min
